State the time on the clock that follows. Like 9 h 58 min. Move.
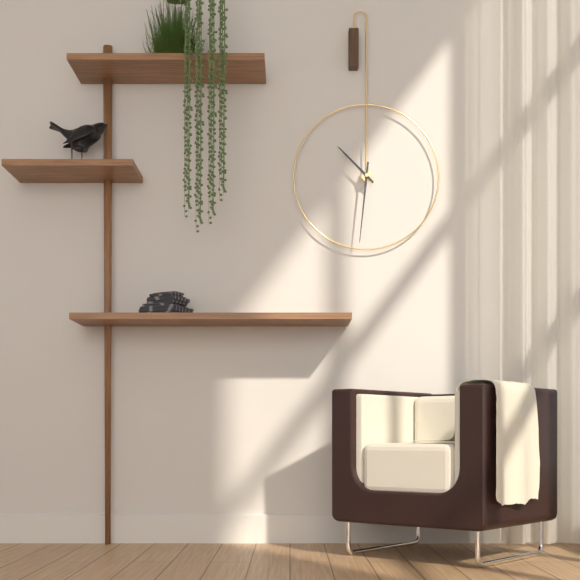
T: 10 h 31 min
